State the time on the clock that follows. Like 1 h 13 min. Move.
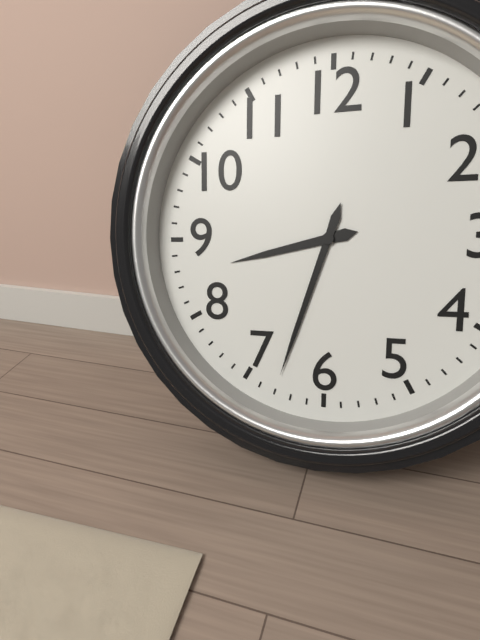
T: 8 h 33 min
